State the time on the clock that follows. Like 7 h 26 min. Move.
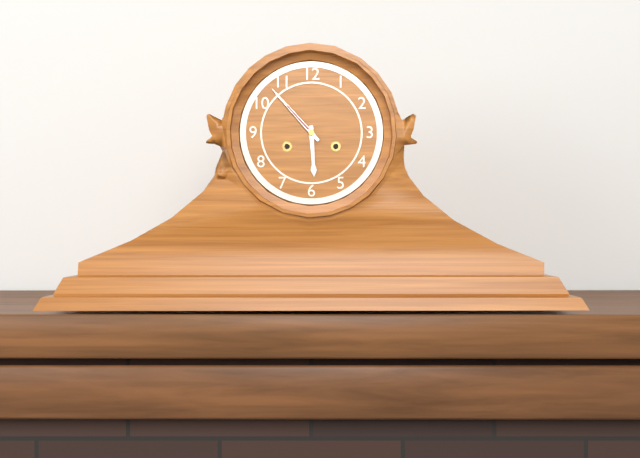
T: 5 h 53 min
